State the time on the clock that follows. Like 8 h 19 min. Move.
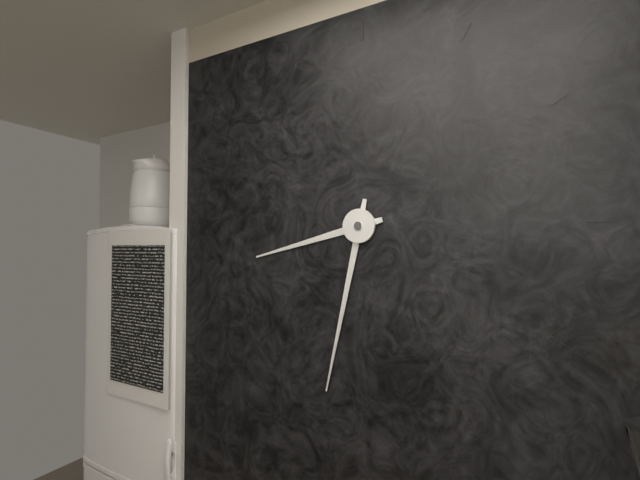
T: 8 h 32 min
